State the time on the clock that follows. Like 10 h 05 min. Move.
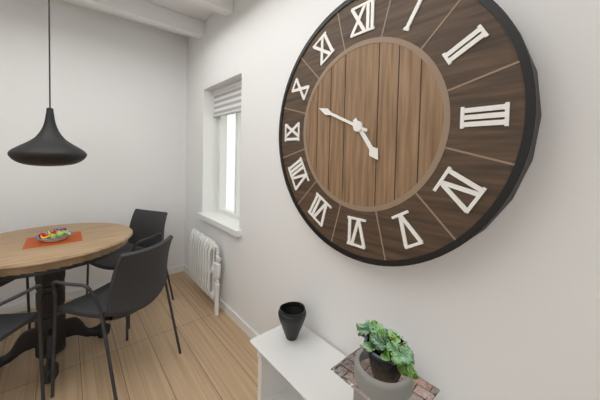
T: 4 h 49 min
